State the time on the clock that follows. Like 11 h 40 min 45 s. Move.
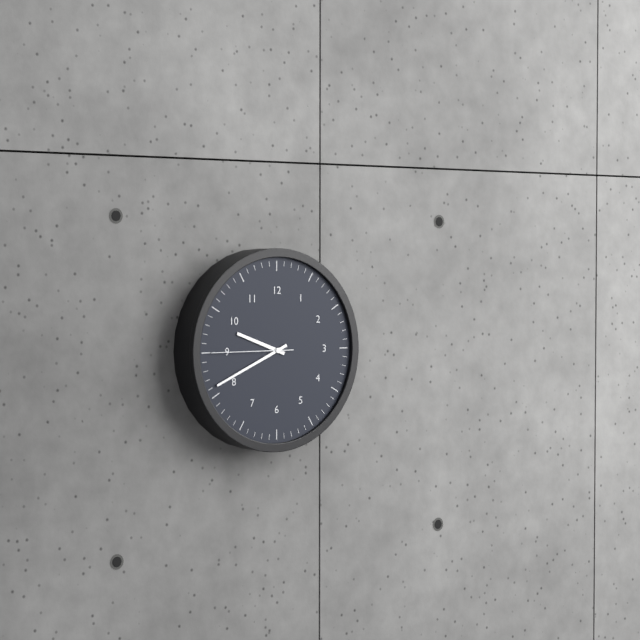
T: 9 h 41 min 45 s
